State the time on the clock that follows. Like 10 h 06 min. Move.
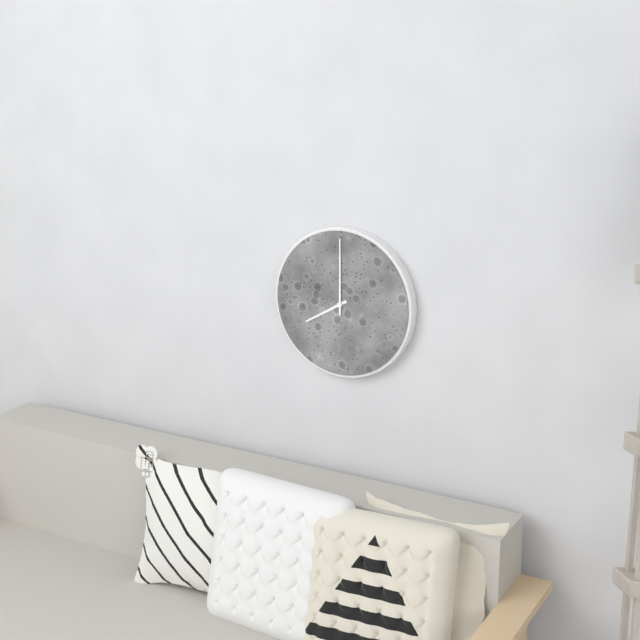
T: 8 h 00 min
